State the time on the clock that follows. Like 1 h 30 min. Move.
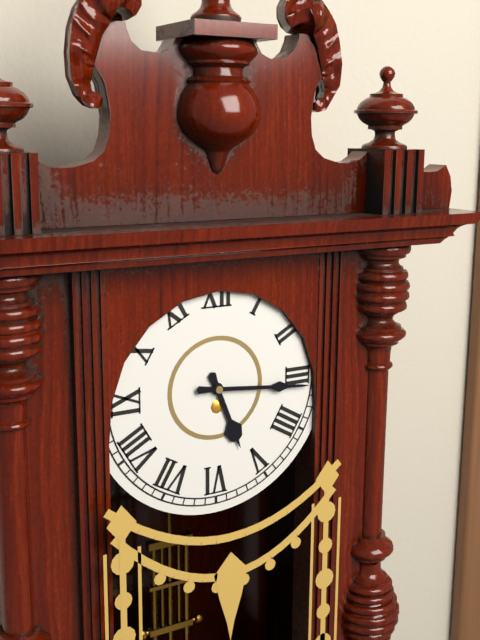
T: 5 h 16 min
